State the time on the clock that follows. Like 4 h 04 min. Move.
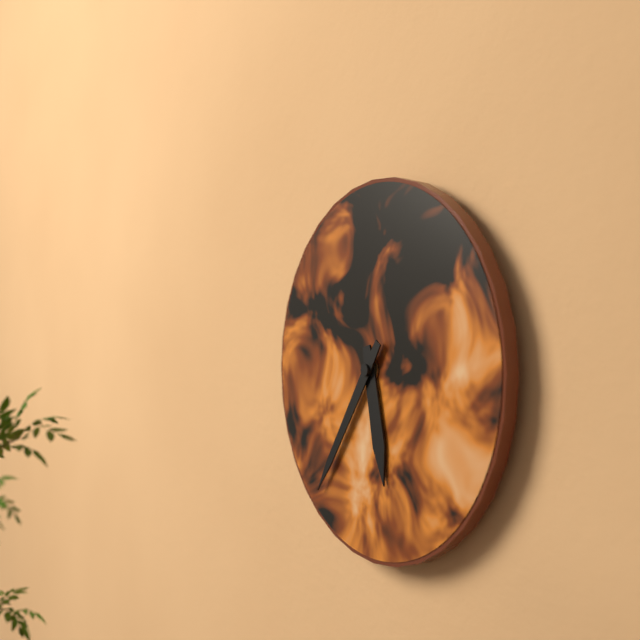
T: 5 h 36 min
